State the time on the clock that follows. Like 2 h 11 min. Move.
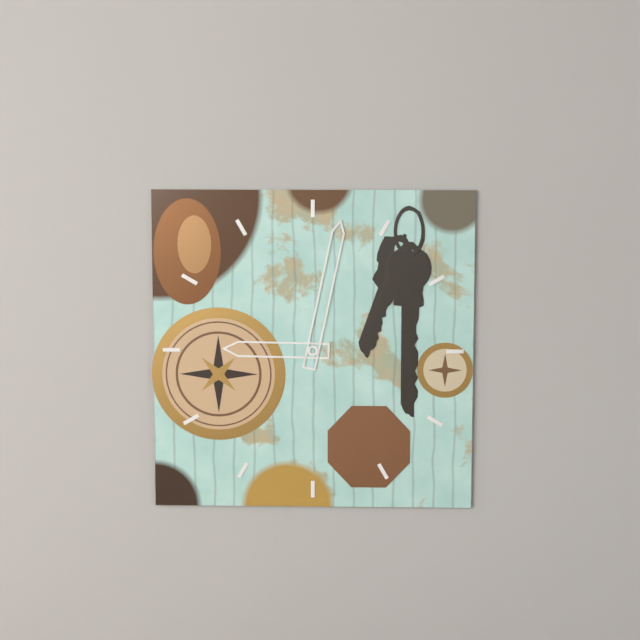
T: 9 h 02 min
